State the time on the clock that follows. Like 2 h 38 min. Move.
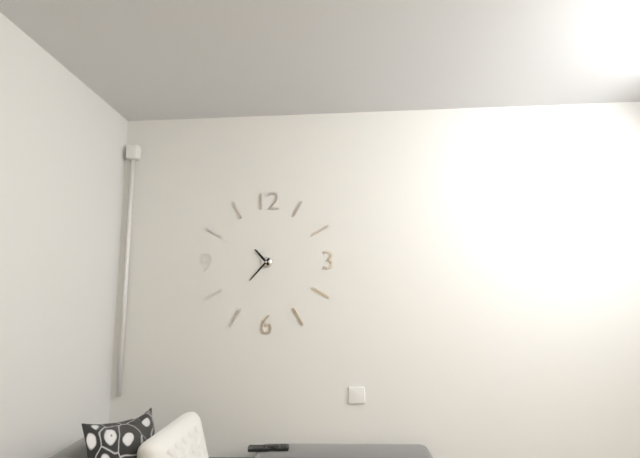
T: 10 h 37 min
